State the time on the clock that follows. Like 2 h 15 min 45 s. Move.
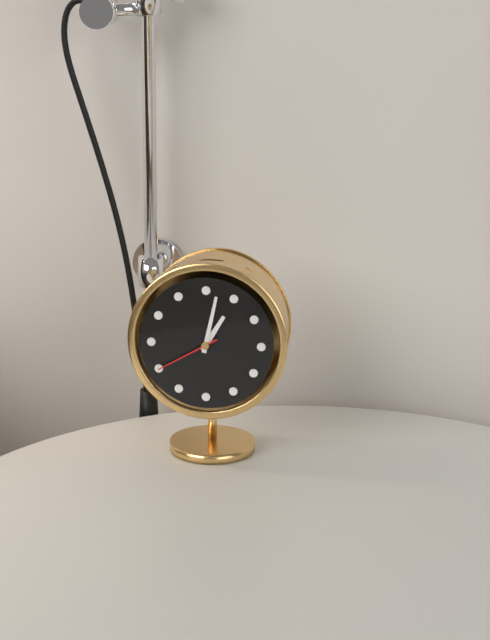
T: 1 h 02 min 40 s
